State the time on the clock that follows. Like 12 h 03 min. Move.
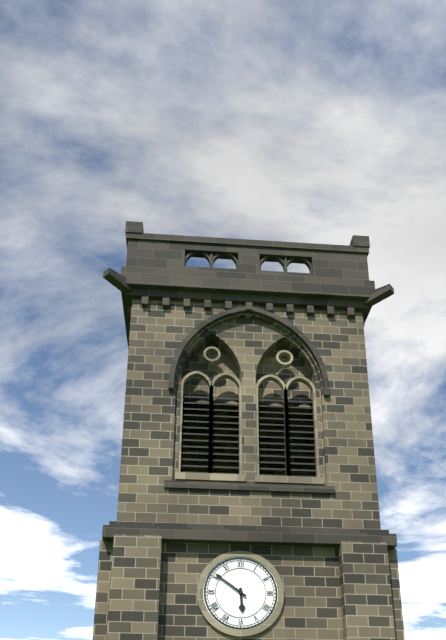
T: 5 h 51 min
